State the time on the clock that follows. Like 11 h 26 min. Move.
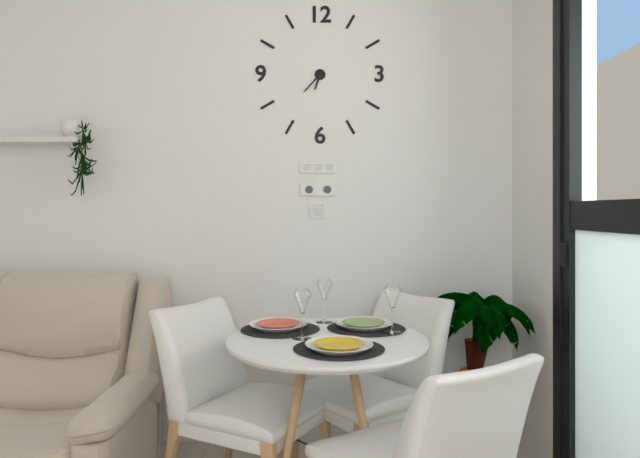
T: 6 h 37 min
